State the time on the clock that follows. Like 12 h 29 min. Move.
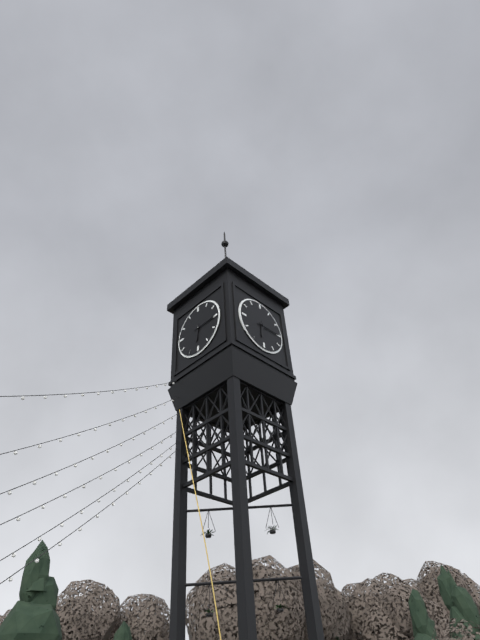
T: 6 h 15 min
